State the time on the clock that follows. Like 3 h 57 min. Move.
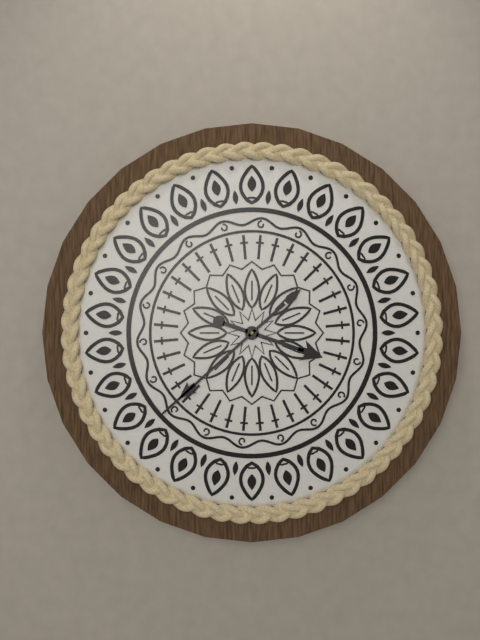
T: 3 h 38 min
